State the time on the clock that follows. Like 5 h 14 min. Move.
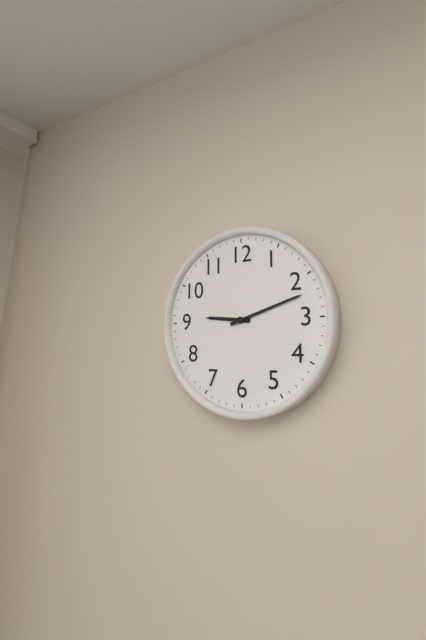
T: 9 h 12 min
